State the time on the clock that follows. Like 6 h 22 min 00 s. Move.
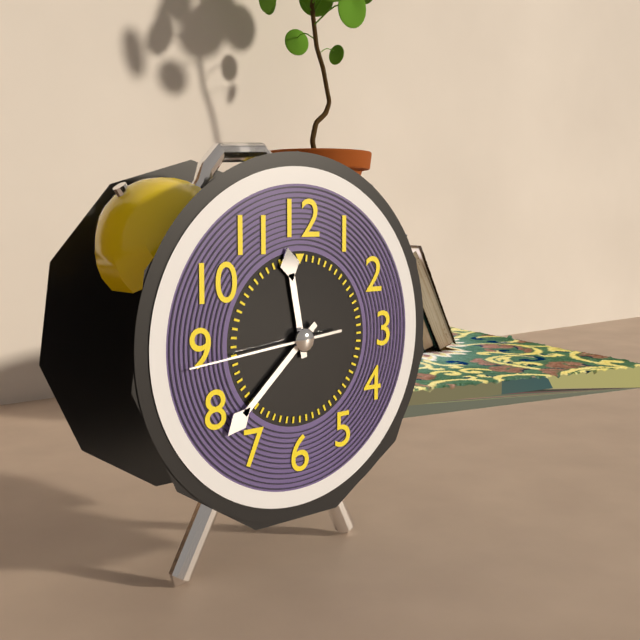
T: 11 h 38 min 44 s
